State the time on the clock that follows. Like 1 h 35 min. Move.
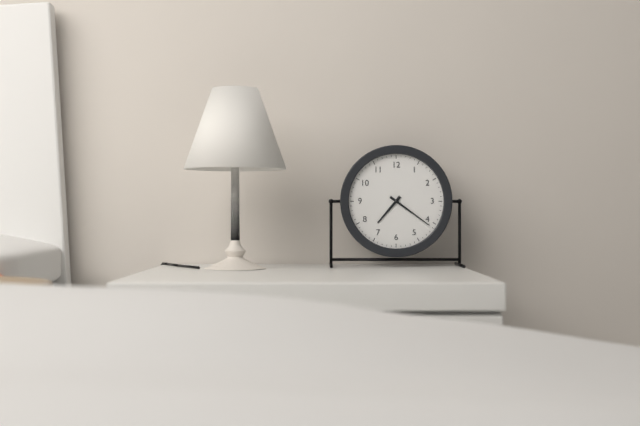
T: 7 h 21 min
